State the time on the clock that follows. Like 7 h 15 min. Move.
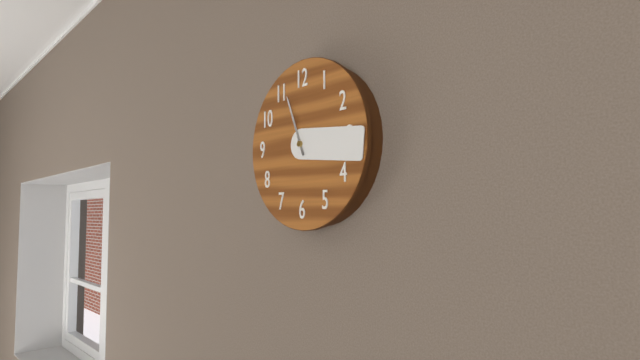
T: 11 h 16 min
